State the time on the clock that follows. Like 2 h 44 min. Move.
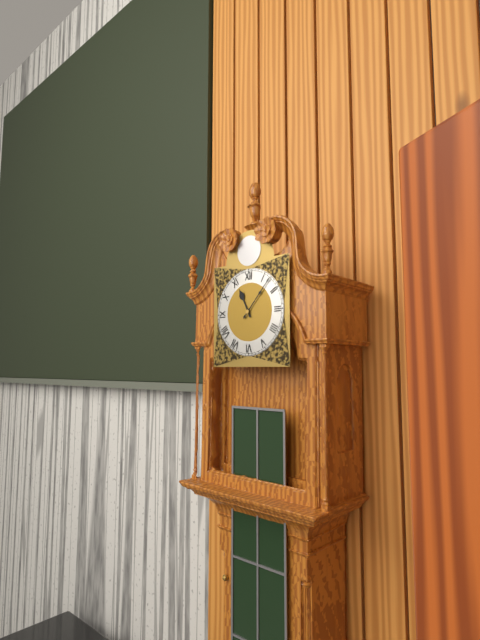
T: 11 h 07 min
